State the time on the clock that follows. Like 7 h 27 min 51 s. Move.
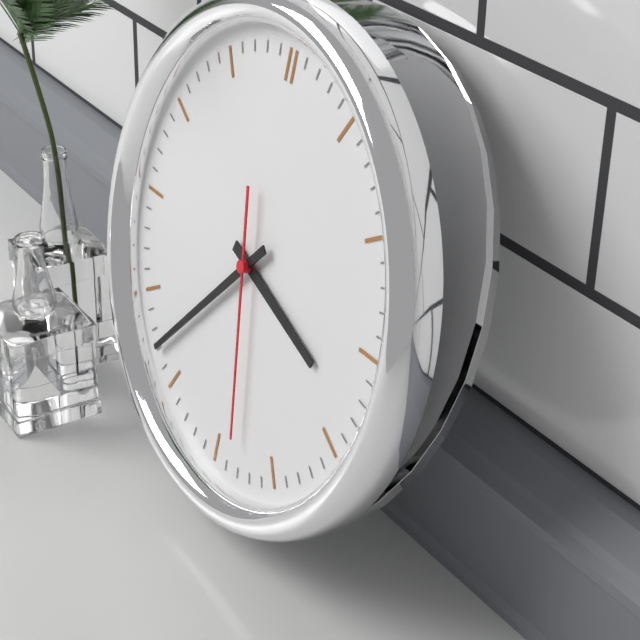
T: 3 h 37 min 28 s
